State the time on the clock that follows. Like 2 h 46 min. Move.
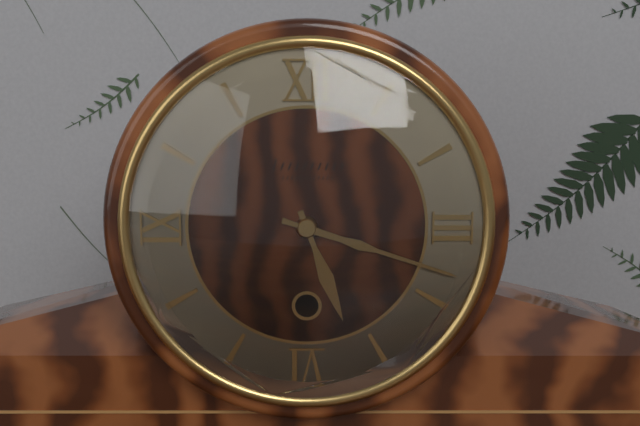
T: 5 h 18 min
